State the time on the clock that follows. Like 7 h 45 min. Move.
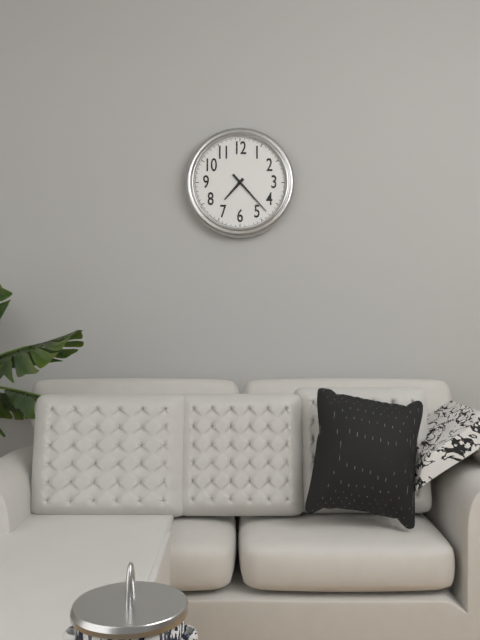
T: 7 h 23 min
